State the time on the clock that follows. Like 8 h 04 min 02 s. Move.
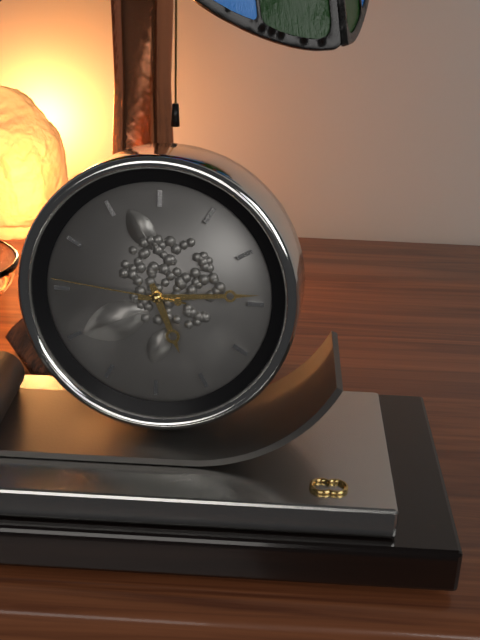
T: 5 h 14 min 46 s
